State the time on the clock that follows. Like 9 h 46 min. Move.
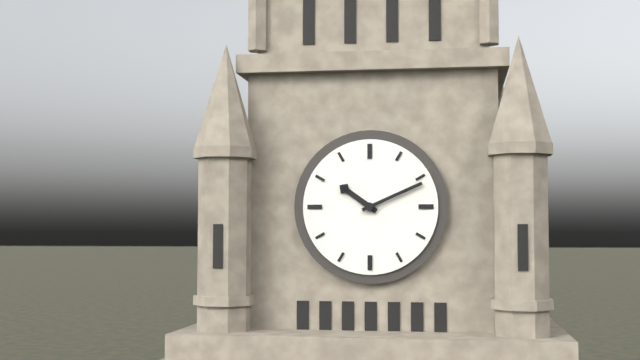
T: 10 h 11 min
